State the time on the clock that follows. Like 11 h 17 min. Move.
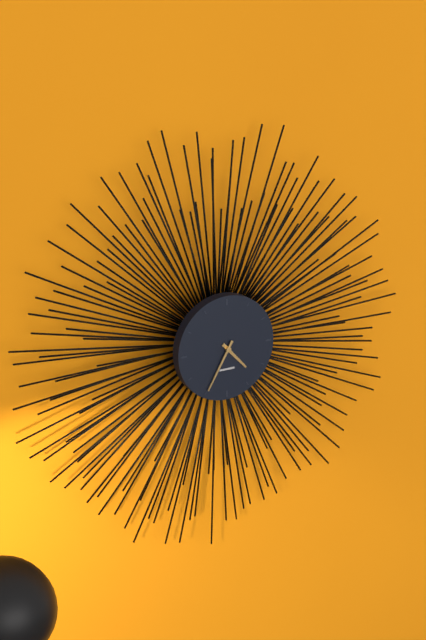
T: 4 h 35 min
